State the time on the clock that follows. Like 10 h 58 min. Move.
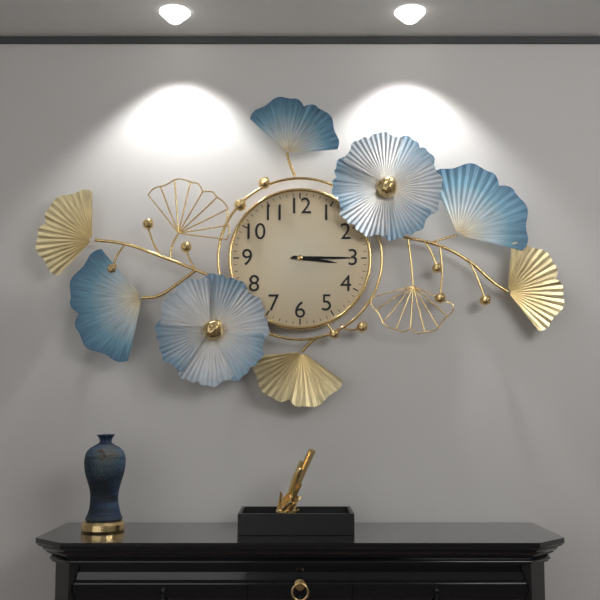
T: 3 h 15 min
